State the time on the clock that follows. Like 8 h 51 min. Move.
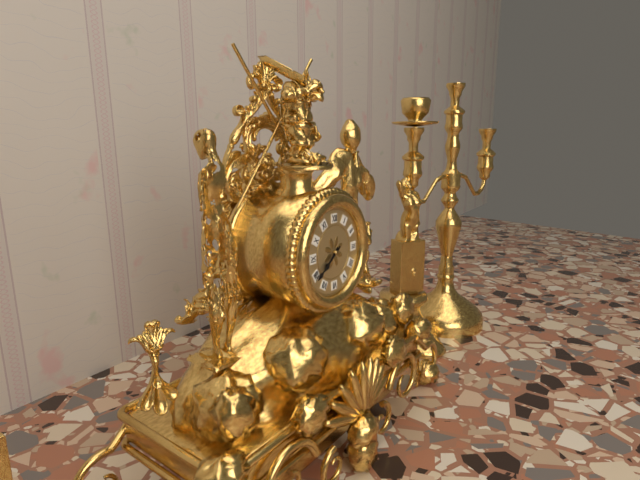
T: 7 h 39 min
